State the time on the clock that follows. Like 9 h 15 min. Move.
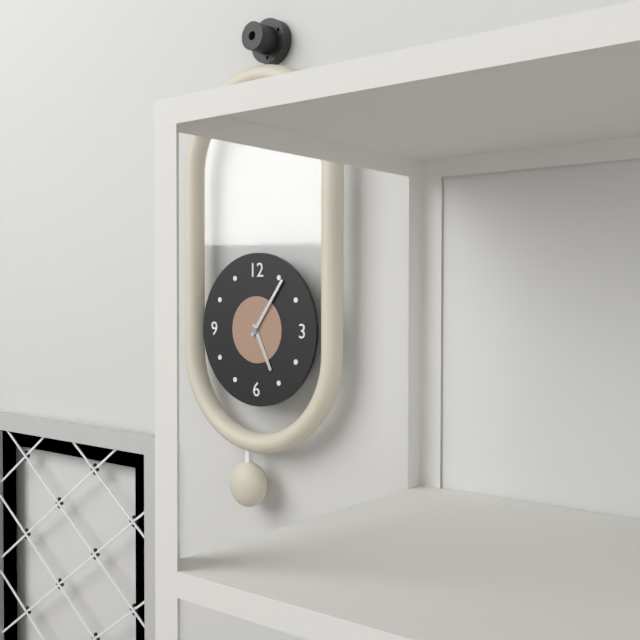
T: 5 h 06 min
